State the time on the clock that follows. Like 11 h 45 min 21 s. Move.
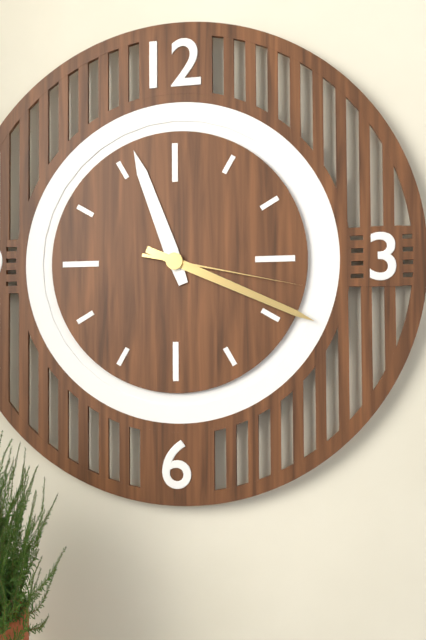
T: 11 h 19 min 17 s
